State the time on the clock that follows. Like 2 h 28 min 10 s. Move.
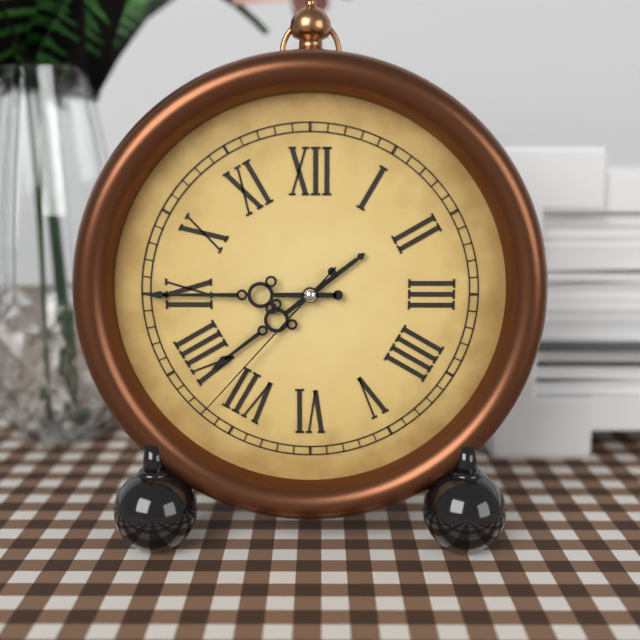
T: 7 h 45 min 37 s
